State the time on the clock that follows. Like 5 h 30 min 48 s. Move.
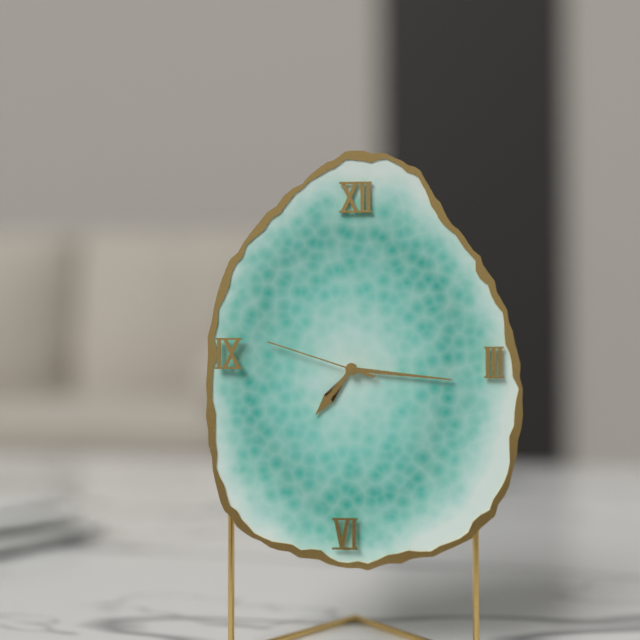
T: 7 h 16 min 48 s
